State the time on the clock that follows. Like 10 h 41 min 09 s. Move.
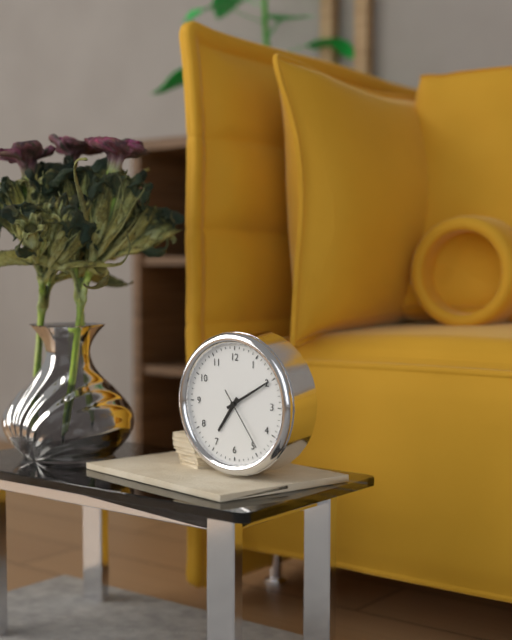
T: 7 h 10 min 24 s
